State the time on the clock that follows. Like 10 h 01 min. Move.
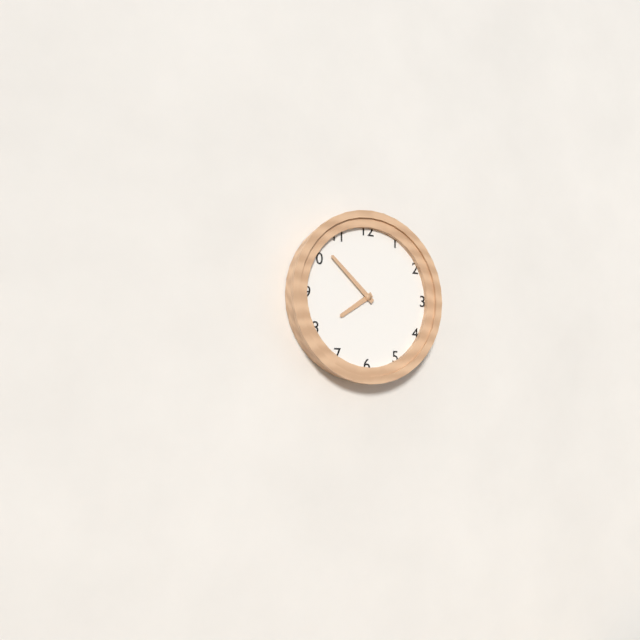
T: 7 h 52 min
